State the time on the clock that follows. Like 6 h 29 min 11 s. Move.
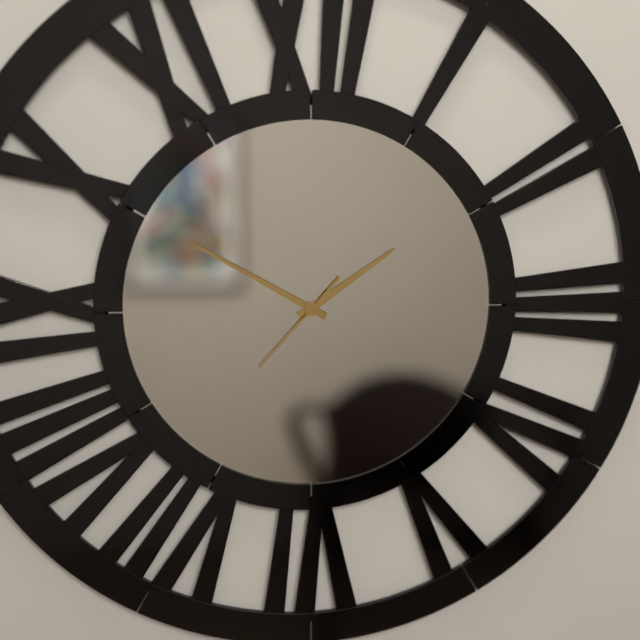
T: 1 h 50 min 37 s
